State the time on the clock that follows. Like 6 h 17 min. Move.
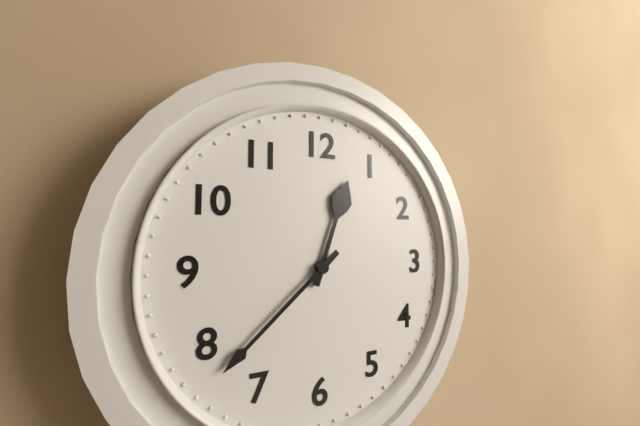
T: 12 h 38 min
